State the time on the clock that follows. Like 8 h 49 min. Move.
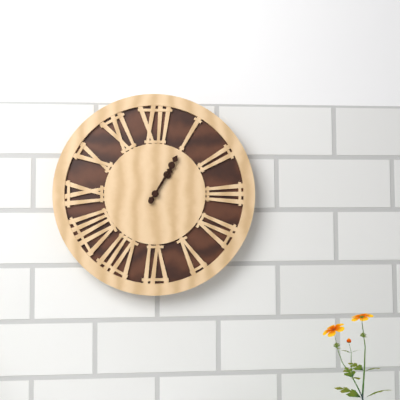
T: 1 h 05 min
